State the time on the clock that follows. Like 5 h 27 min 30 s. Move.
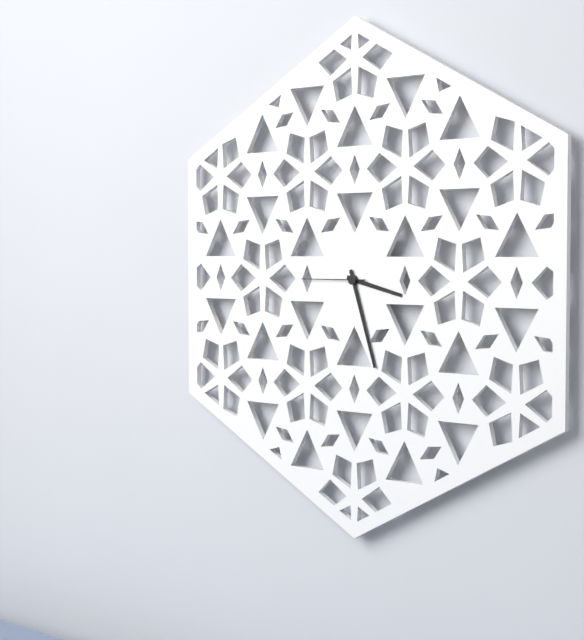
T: 3 h 27 min 45 s
